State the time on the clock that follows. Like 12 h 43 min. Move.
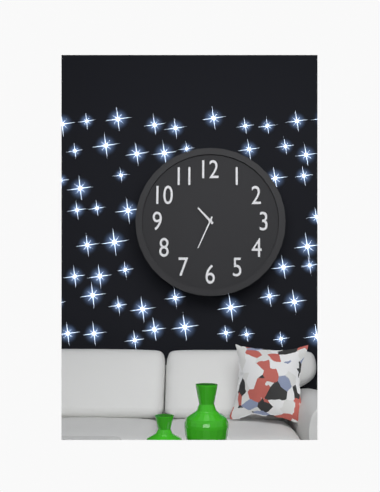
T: 10 h 34 min
